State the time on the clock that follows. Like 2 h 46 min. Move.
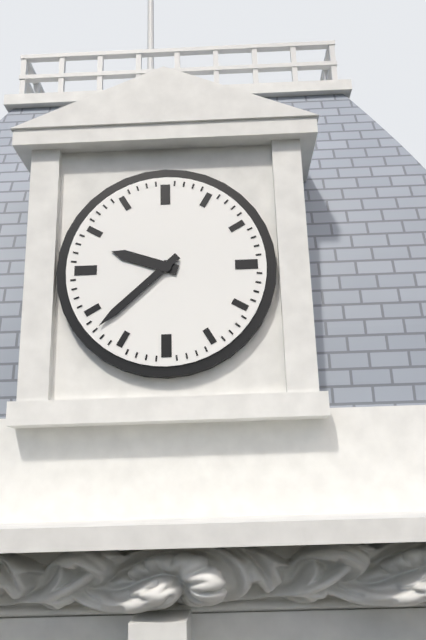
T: 9 h 38 min
